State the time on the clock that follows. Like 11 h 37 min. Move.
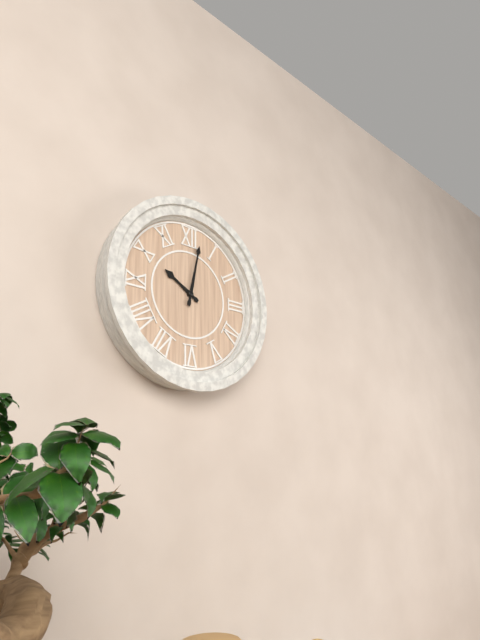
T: 10 h 02 min
